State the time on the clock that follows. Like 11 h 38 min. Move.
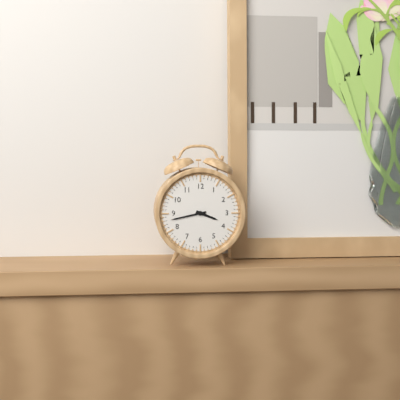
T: 3 h 43 min
